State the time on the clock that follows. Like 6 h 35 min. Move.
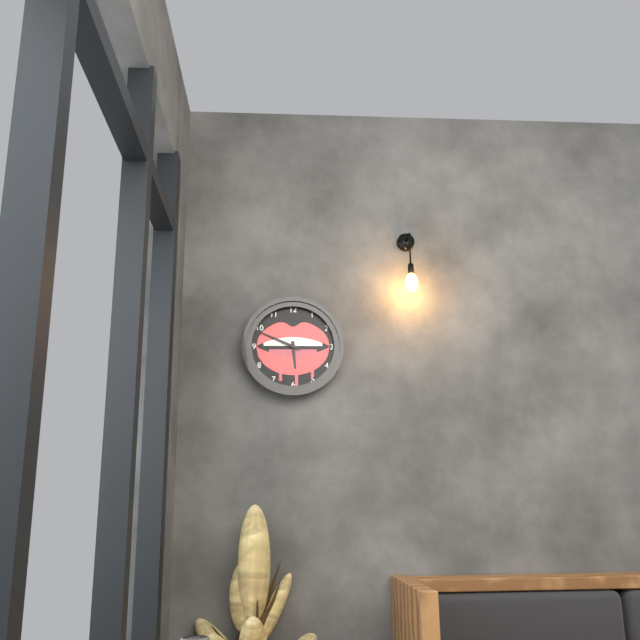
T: 5 h 49 min
